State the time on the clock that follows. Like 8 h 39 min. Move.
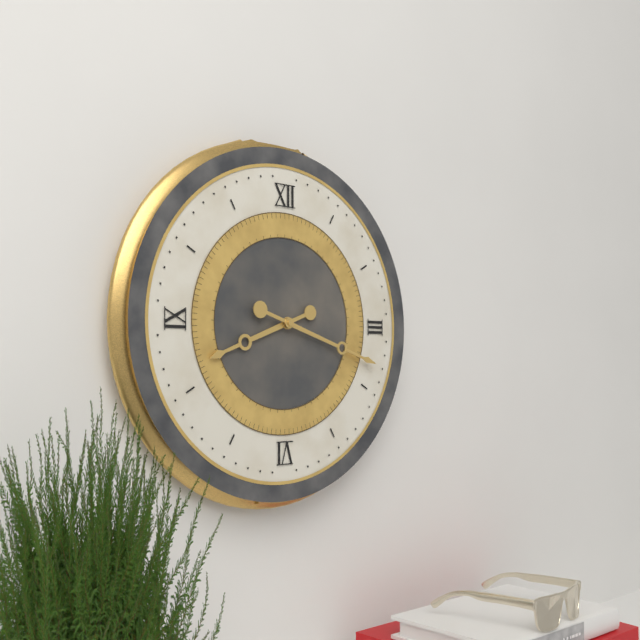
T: 8 h 18 min
